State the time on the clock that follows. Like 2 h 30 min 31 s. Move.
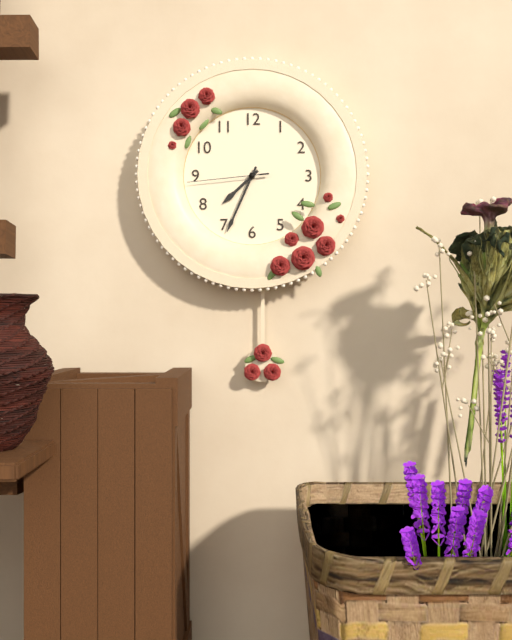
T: 7 h 34 min 44 s
